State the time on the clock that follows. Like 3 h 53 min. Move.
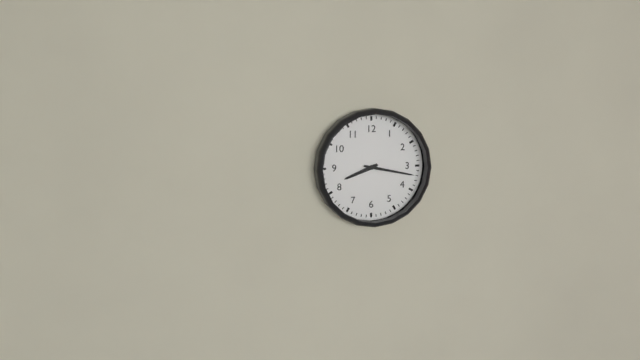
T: 8 h 17 min
